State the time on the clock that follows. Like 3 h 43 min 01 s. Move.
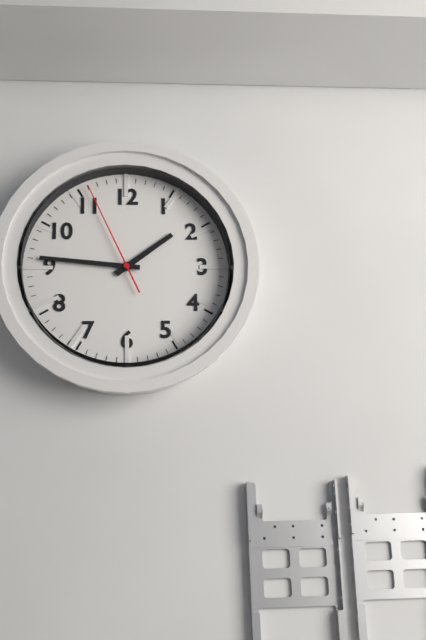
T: 1 h 46 min 56 s
